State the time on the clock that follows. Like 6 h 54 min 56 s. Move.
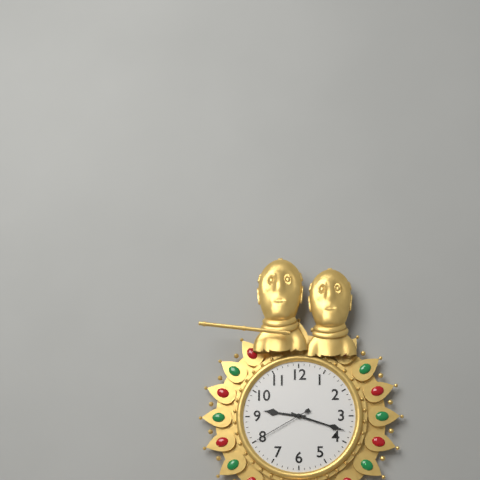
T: 9 h 18 min 40 s
